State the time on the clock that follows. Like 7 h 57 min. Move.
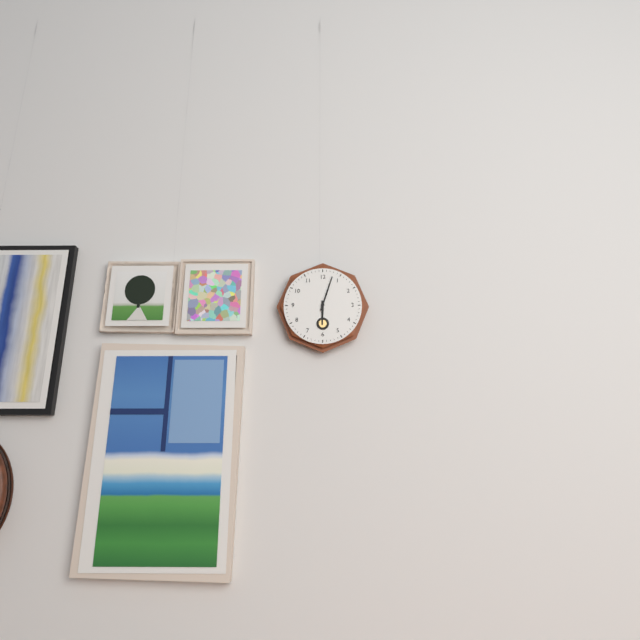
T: 6 h 03 min
